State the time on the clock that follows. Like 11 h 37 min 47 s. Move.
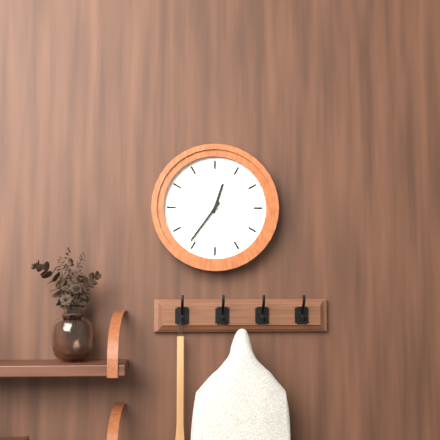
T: 12 h 36 min 14 s
